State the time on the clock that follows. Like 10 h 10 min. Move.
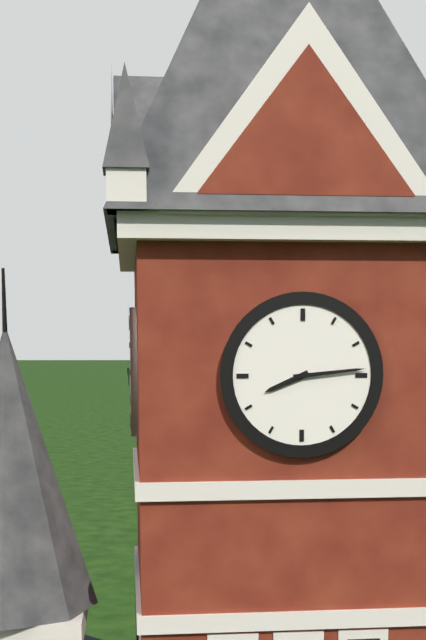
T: 8 h 14 min
